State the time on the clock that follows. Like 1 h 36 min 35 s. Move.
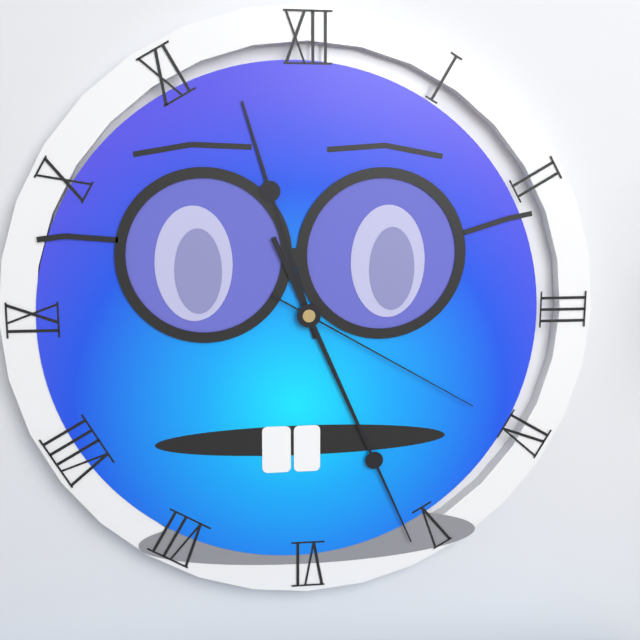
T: 11 h 26 min 20 s
